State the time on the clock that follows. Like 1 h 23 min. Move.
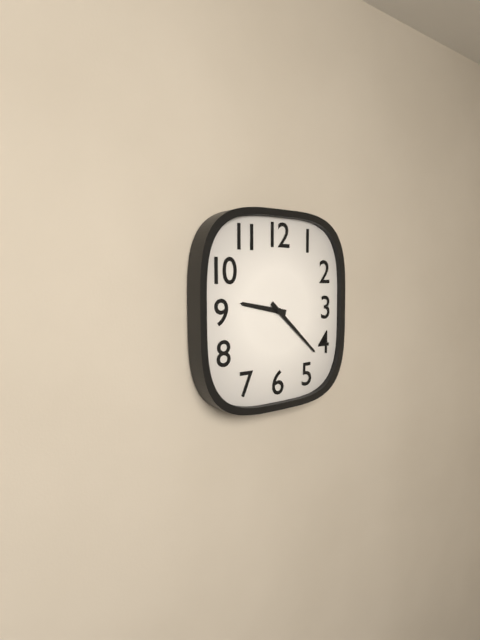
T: 9 h 22 min
